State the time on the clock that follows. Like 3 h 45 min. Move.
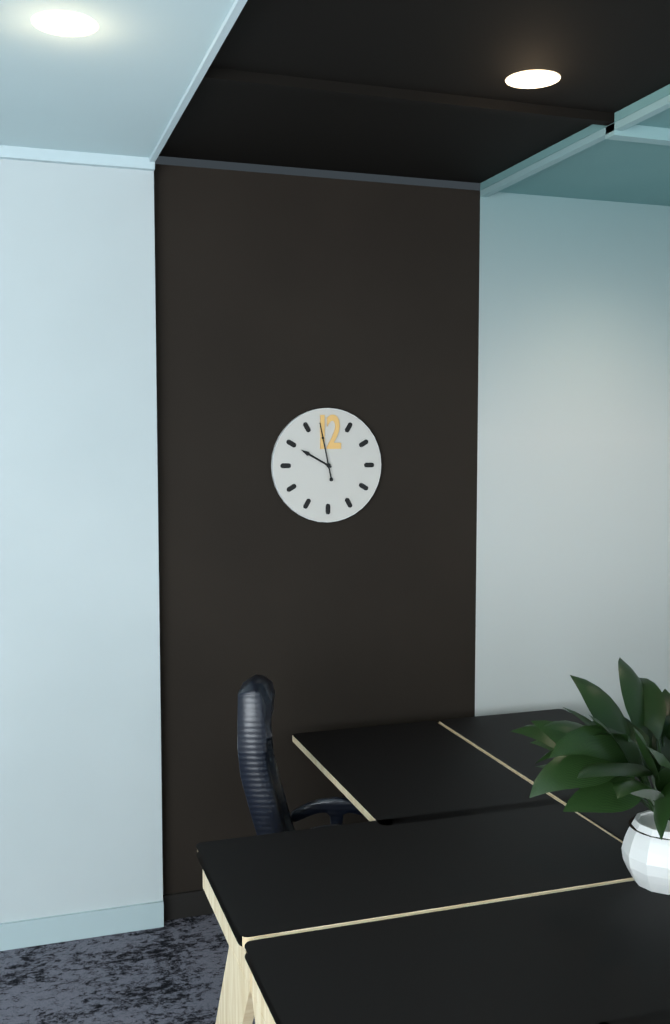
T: 9 h 58 min
